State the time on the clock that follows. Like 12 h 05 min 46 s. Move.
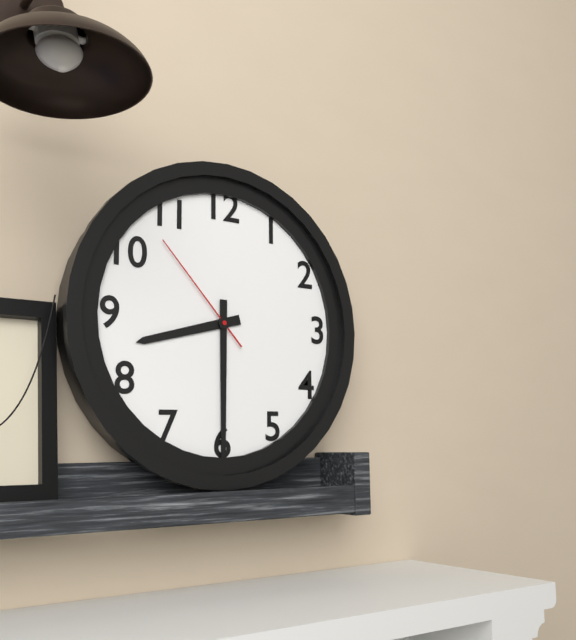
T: 8 h 30 min 53 s
